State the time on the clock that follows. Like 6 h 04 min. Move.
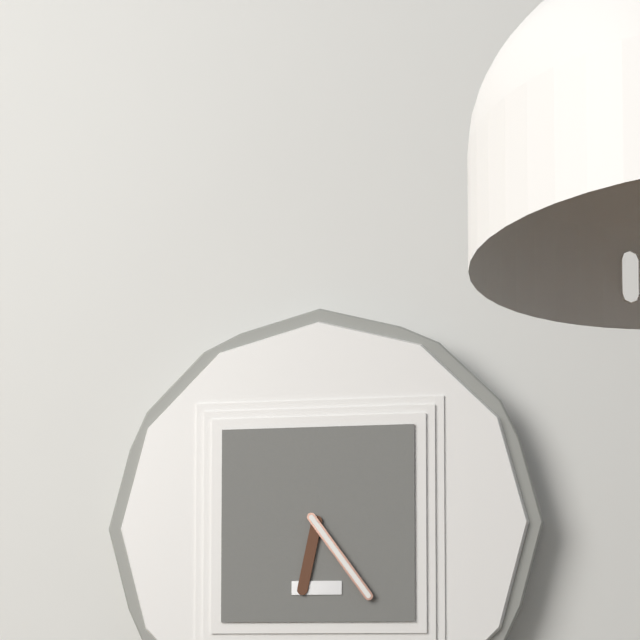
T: 6 h 24 min
